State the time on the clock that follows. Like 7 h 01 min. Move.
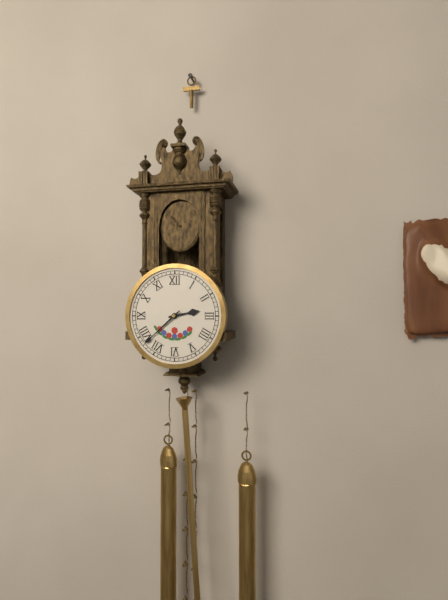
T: 2 h 38 min
